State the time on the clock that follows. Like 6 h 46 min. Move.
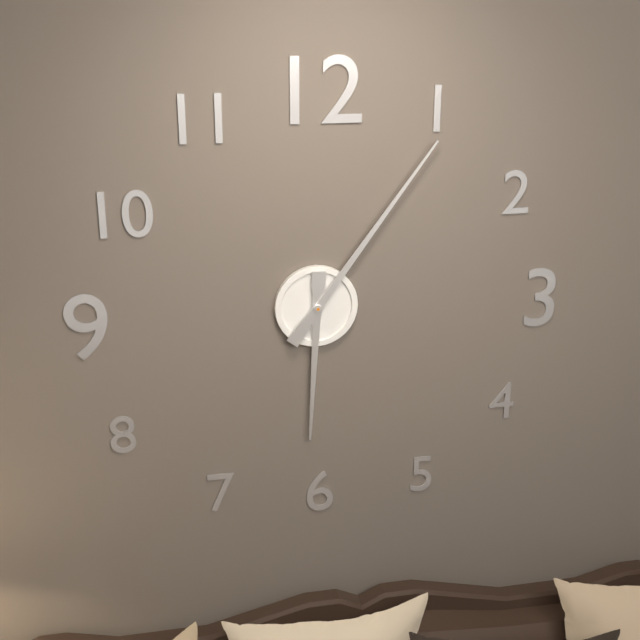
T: 6 h 06 min
